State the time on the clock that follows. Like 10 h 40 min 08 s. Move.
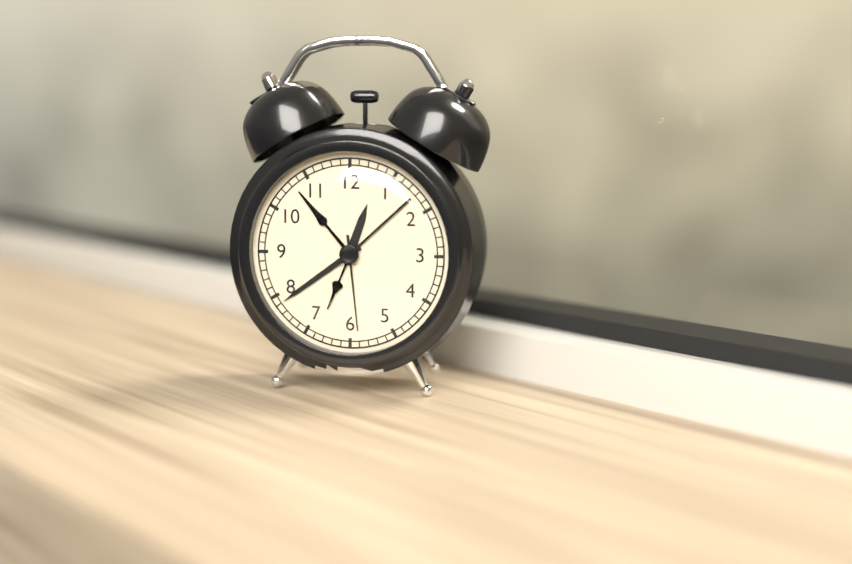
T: 12 h 39 min 29 s
